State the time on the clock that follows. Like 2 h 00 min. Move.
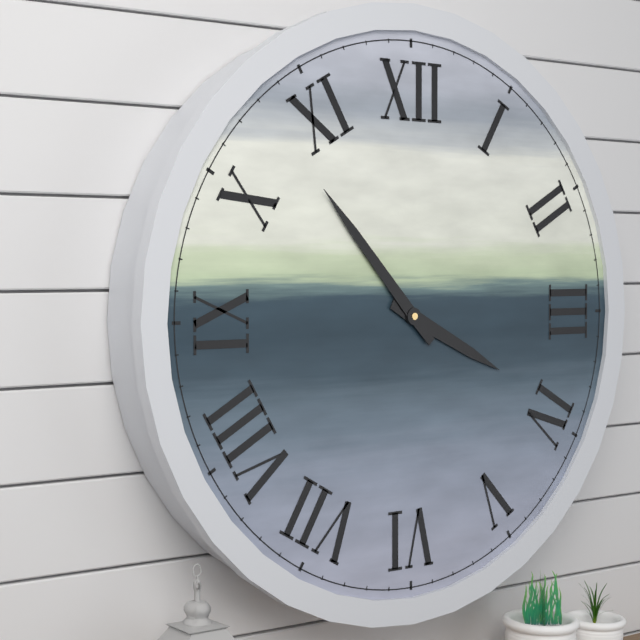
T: 3 h 53 min
